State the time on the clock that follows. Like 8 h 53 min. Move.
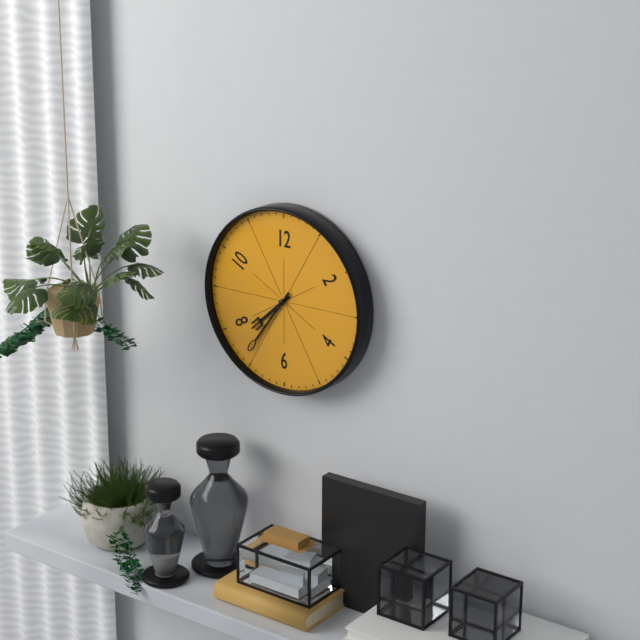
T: 7 h 36 min
